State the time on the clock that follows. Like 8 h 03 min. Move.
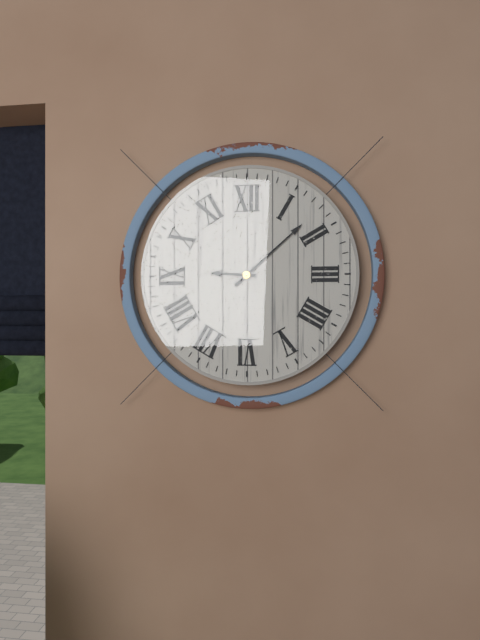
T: 9 h 08 min
